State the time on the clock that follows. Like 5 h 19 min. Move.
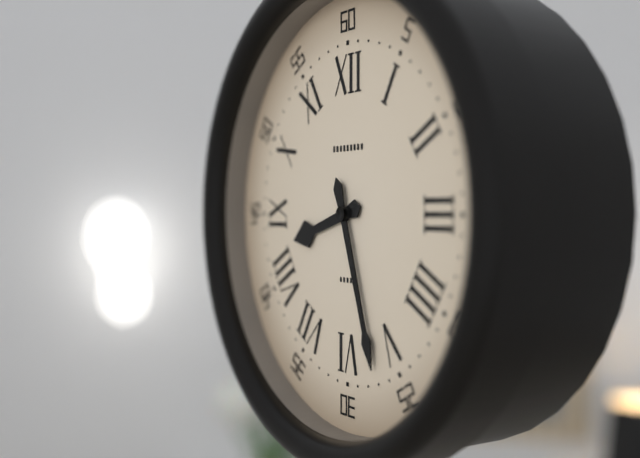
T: 8 h 27 min
